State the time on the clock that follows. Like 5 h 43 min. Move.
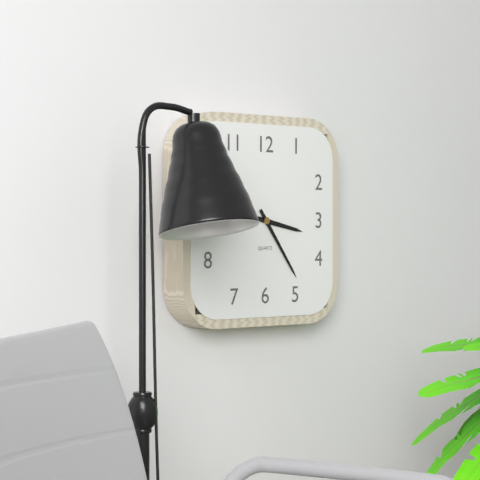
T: 3 h 24 min
